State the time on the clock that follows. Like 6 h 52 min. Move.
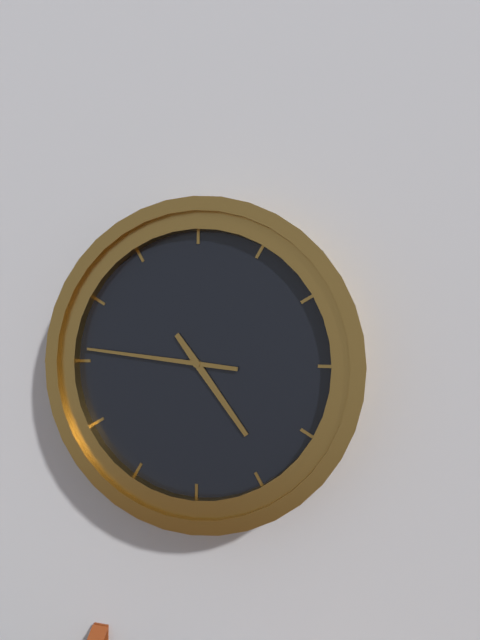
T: 4 h 46 min
